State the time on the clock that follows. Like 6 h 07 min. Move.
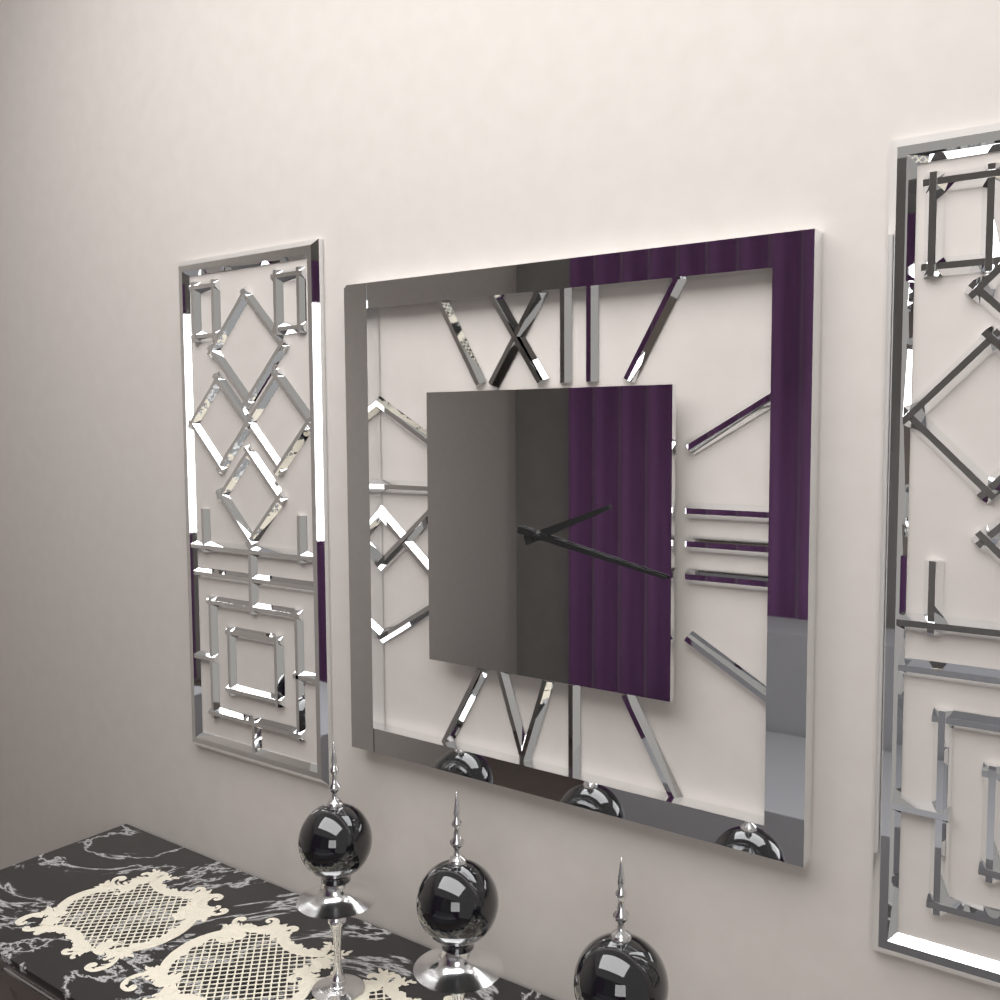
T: 2 h 17 min
